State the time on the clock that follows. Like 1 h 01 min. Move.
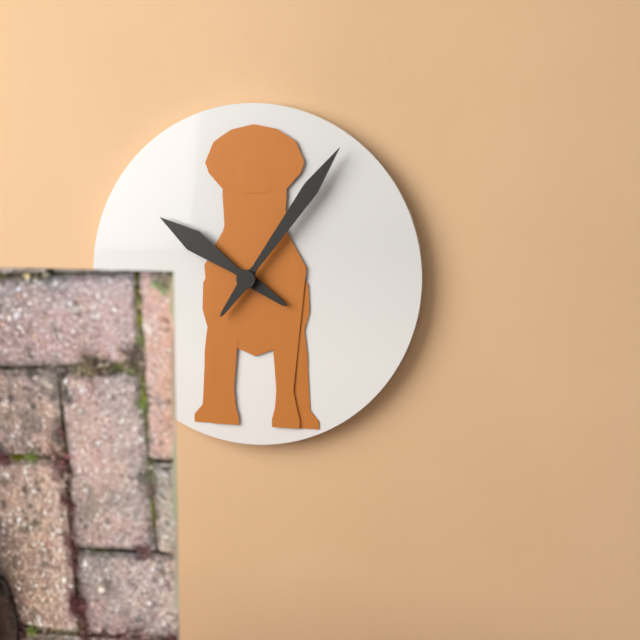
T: 10 h 06 min
